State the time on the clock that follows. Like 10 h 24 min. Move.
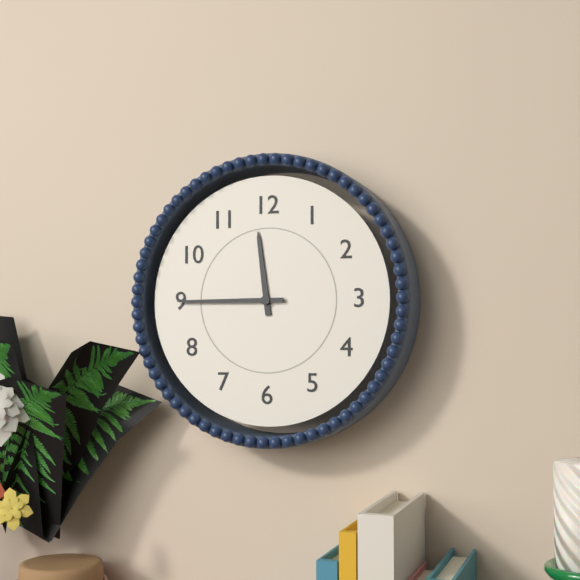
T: 11 h 45 min
